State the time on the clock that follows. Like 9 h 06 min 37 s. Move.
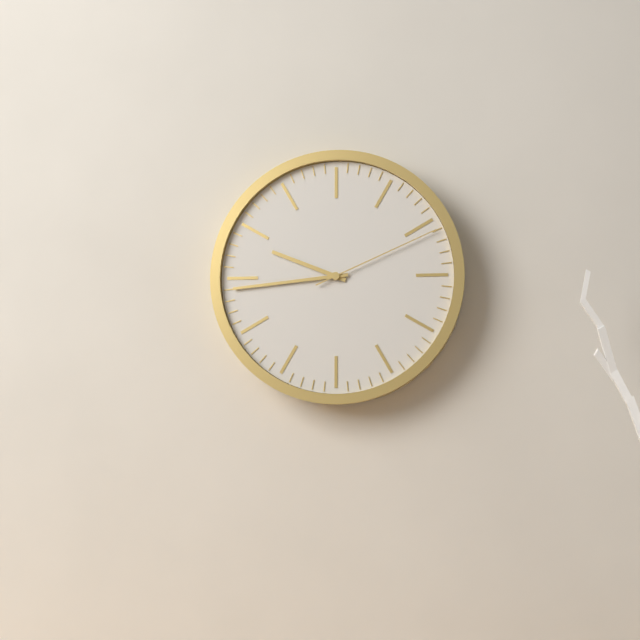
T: 9 h 44 min 11 s
